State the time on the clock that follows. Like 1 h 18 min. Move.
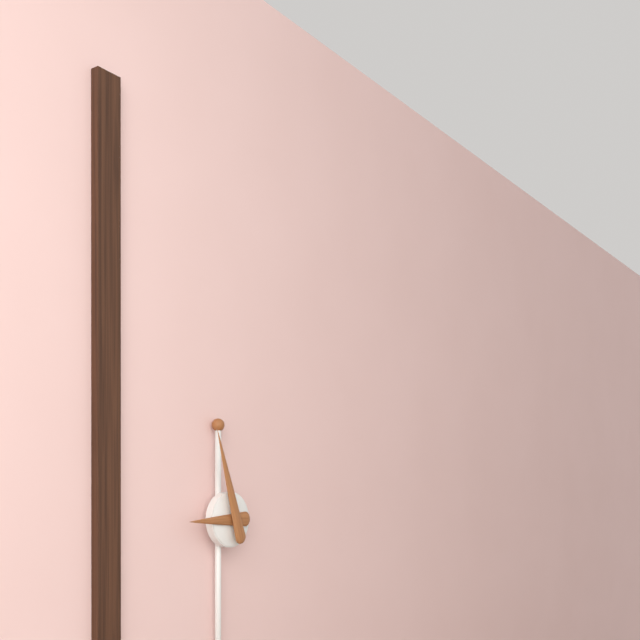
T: 8 h 57 min
